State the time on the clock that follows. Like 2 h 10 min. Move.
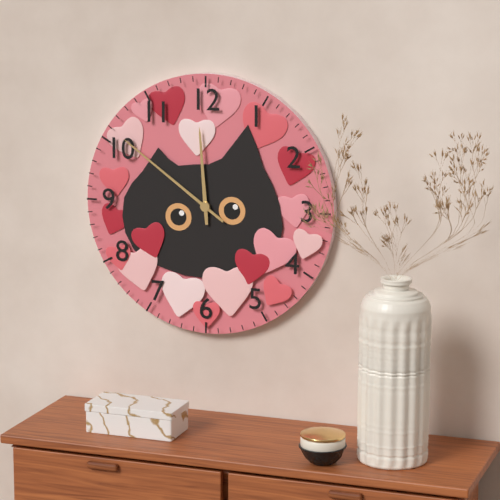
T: 11 h 51 min
